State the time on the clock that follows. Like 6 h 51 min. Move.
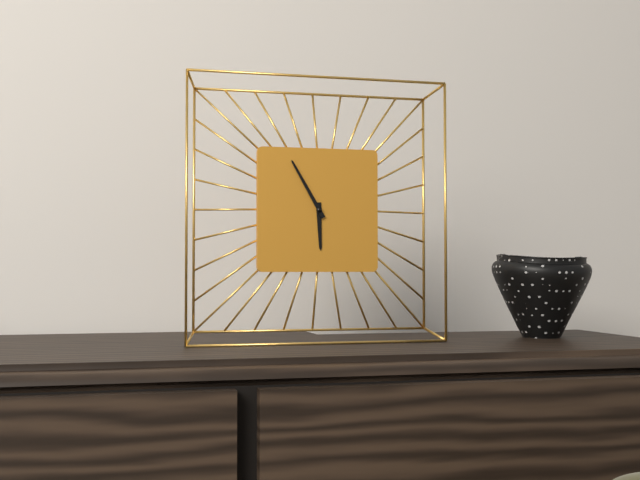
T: 5 h 55 min
